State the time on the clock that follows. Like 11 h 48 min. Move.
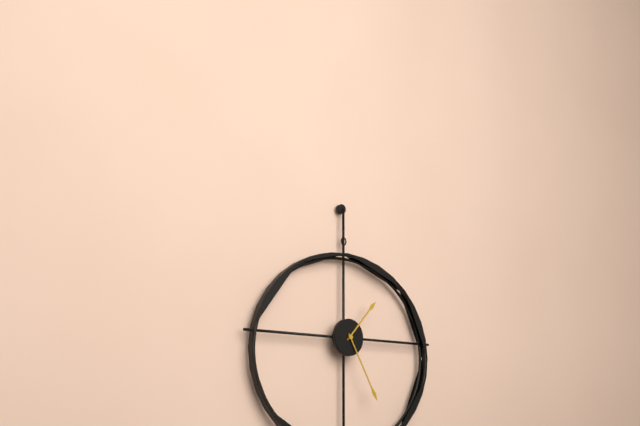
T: 1 h 25 min
